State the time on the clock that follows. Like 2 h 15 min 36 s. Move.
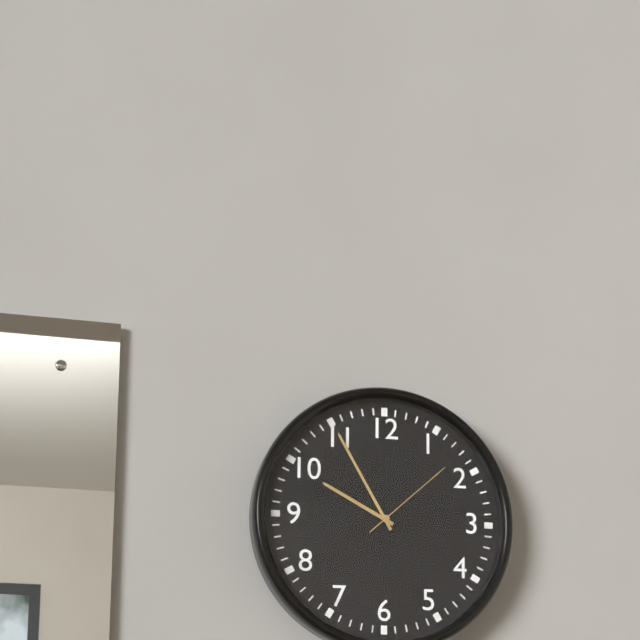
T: 9 h 55 min 08 s
